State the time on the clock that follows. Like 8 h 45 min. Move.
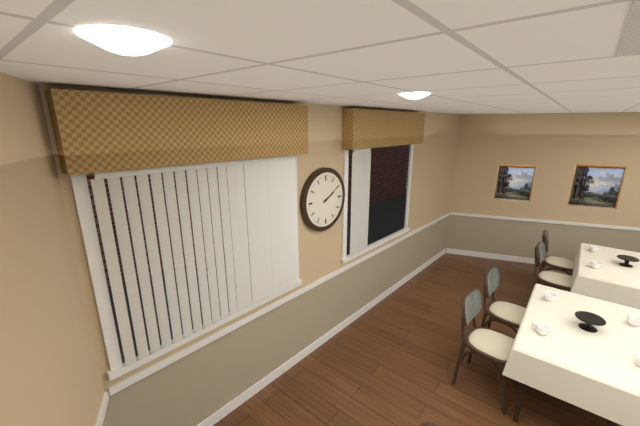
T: 2 h 10 min
